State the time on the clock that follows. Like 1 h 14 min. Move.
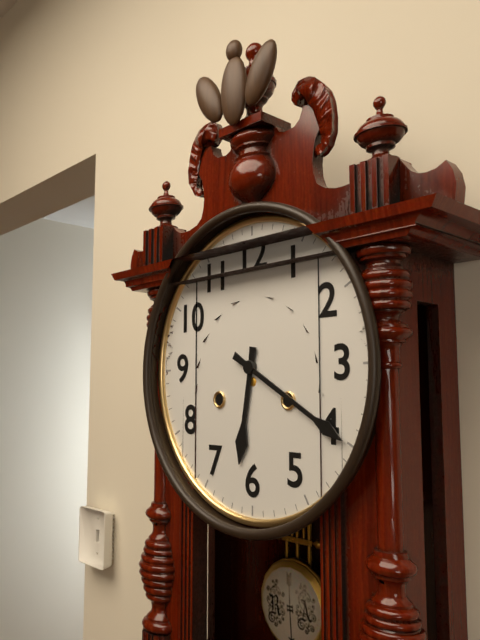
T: 6 h 20 min
